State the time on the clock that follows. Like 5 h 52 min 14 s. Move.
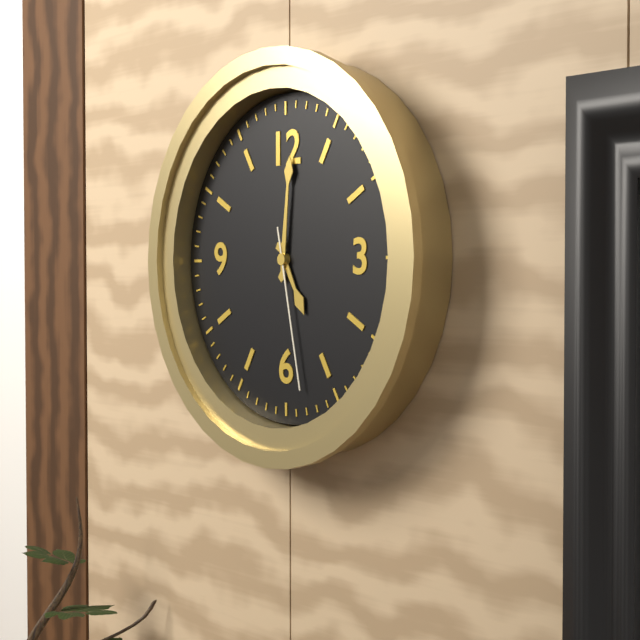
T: 5 h 01 min 28 s
